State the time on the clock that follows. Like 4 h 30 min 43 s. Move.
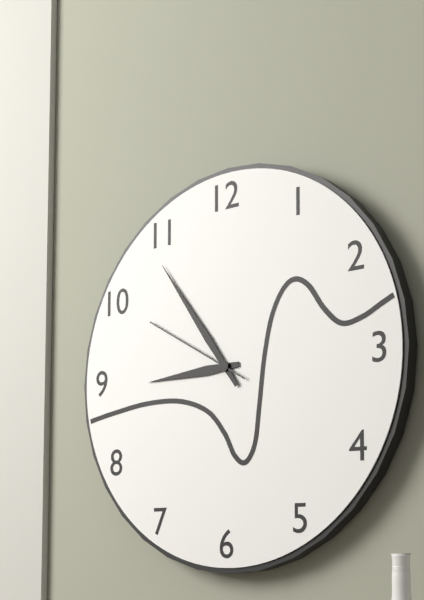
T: 8 h 54 min 50 s
